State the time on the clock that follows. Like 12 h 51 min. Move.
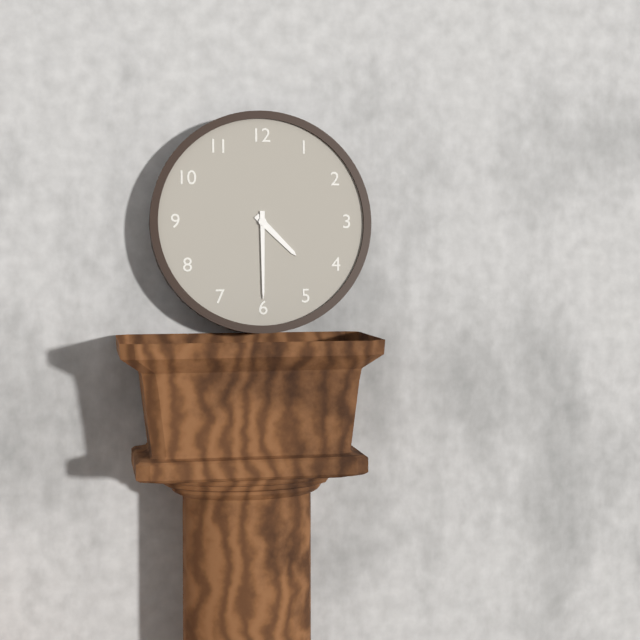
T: 4 h 30 min
